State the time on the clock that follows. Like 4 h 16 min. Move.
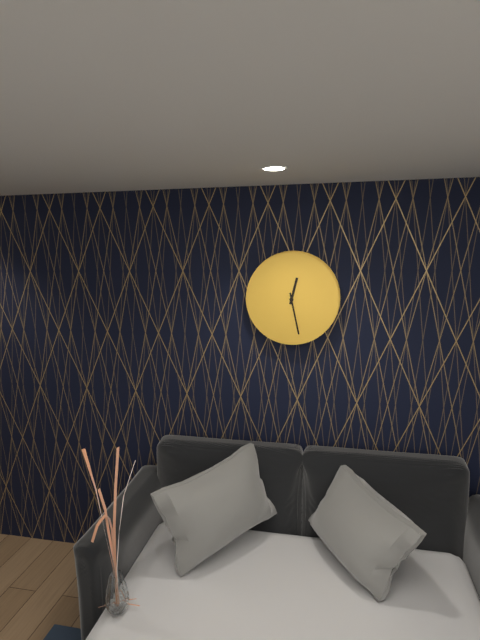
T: 12 h 28 min
